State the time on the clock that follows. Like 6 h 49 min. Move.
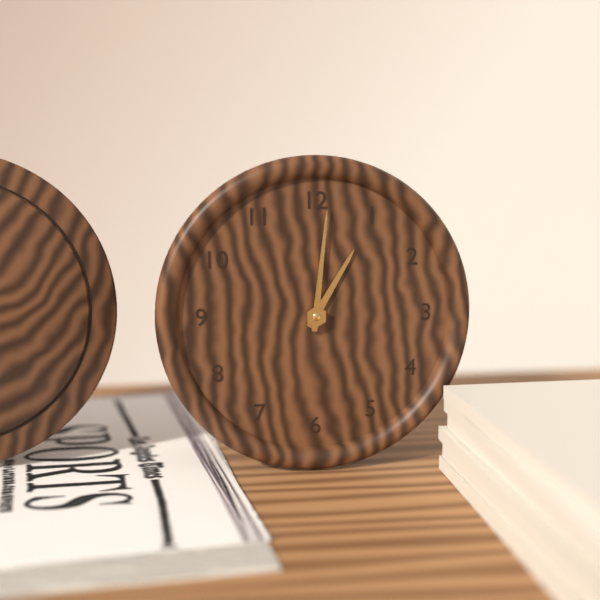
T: 1 h 01 min
